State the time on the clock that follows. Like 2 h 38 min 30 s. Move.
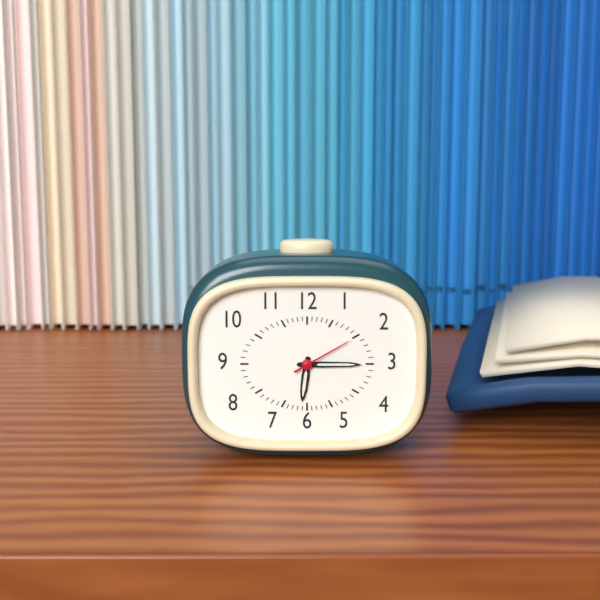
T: 6 h 15 min 10 s
